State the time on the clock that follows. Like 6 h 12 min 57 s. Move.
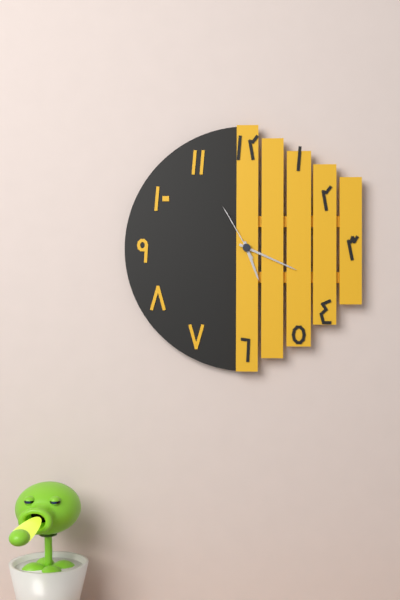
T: 5 h 19 min 55 s
